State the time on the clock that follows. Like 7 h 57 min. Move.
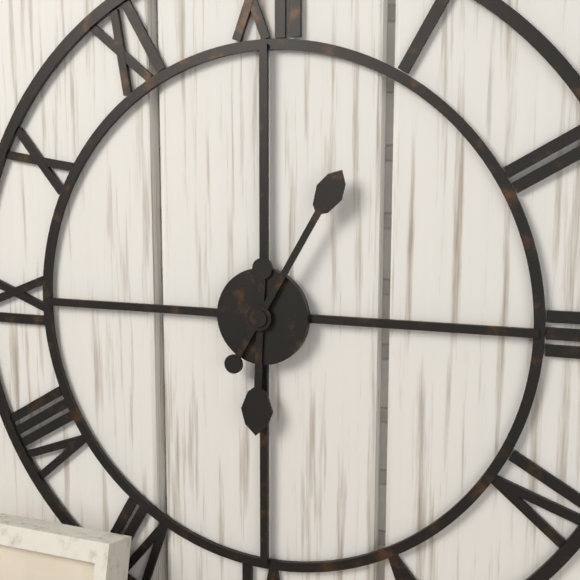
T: 6 h 05 min
